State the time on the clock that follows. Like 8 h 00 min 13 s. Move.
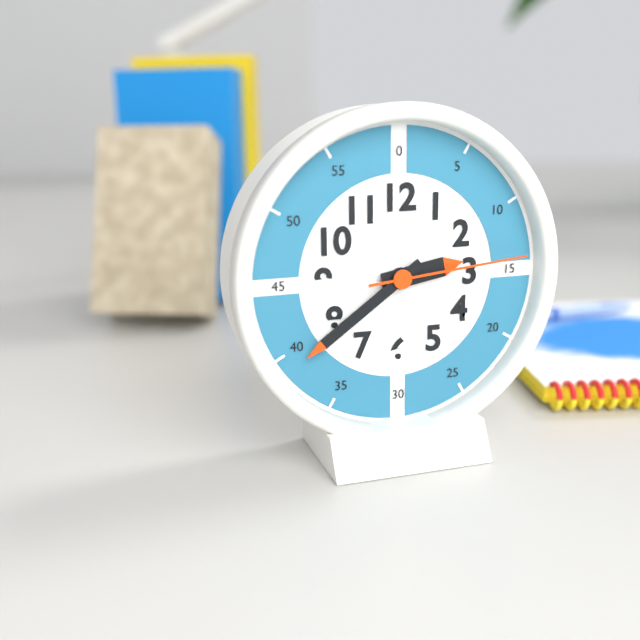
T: 2 h 39 min 14 s
